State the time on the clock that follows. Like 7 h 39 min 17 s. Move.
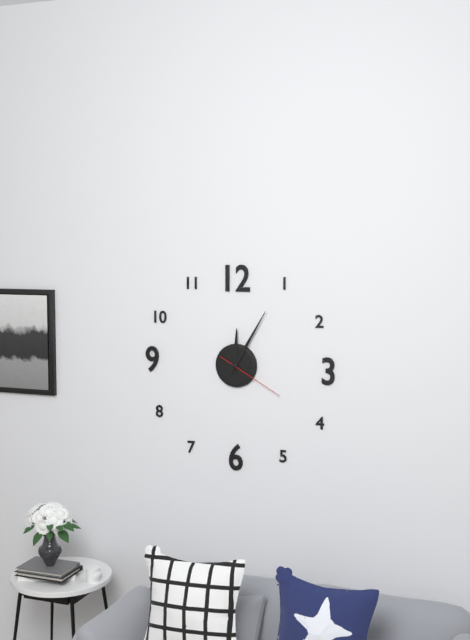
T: 12 h 05 min 20 s
